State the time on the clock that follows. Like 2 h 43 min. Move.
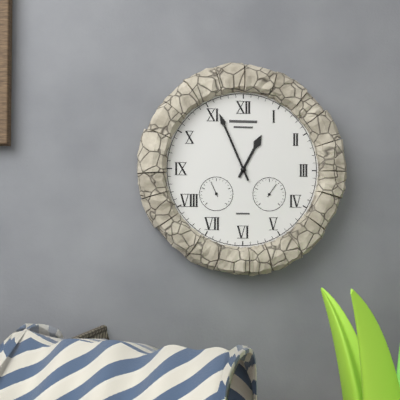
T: 12 h 56 min
